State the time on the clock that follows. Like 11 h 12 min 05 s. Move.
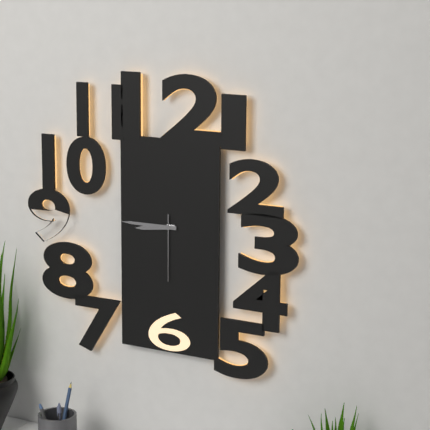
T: 8 h 45 min 30 s
